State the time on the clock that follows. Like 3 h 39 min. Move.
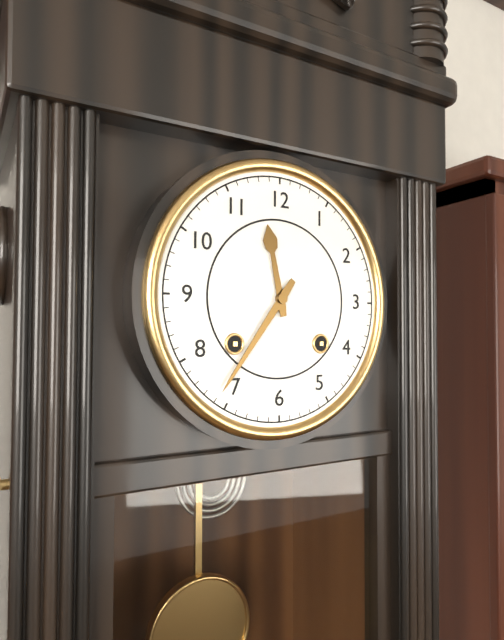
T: 11 h 36 min
